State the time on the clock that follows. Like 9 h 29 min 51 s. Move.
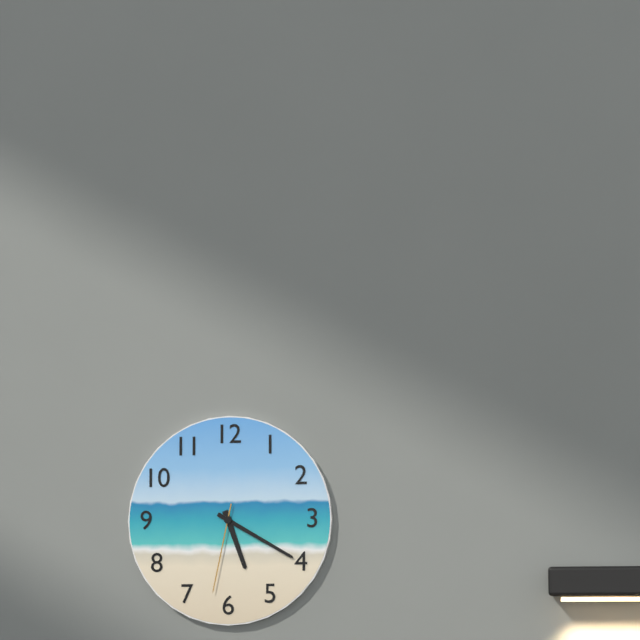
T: 5 h 20 min 32 s
